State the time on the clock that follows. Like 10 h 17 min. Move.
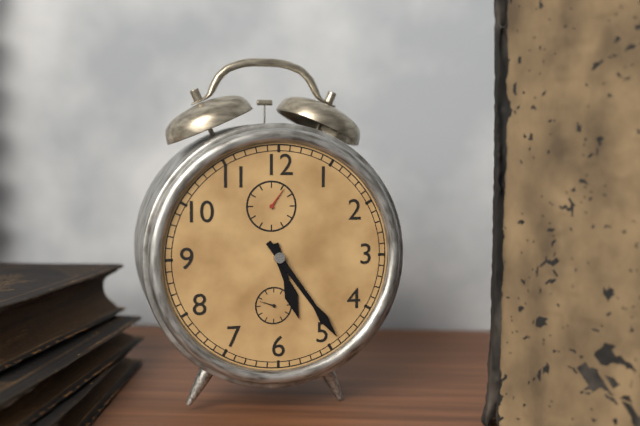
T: 5 h 24 min
